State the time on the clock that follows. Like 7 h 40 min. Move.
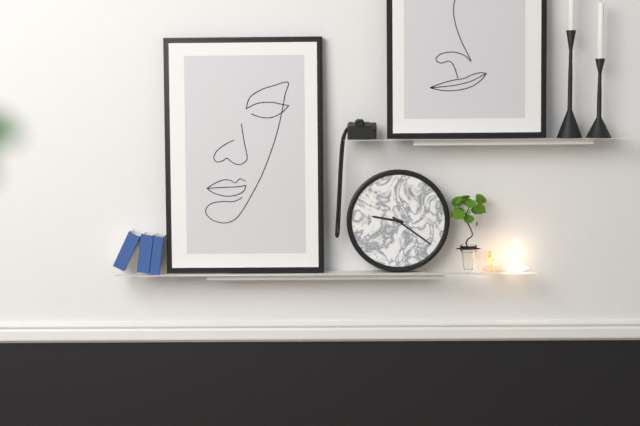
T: 9 h 21 min
